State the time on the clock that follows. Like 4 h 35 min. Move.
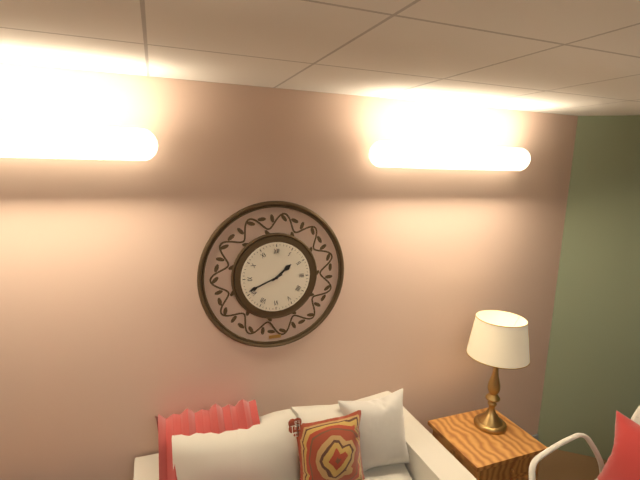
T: 1 h 41 min
